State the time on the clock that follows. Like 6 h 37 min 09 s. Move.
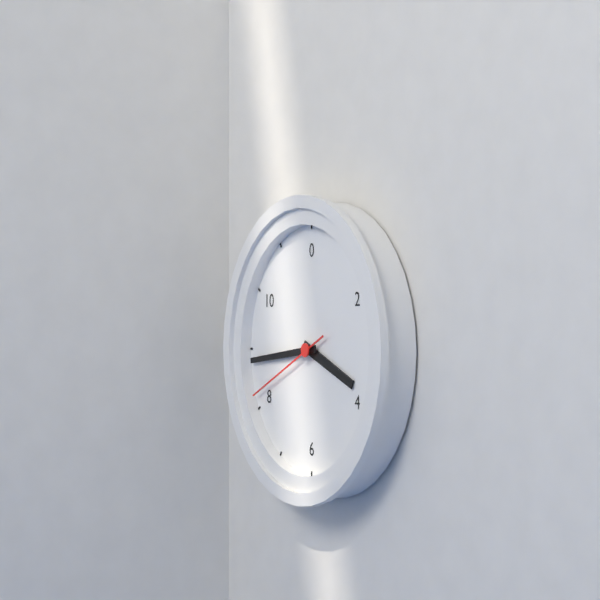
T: 3 h 44 min 41 s
